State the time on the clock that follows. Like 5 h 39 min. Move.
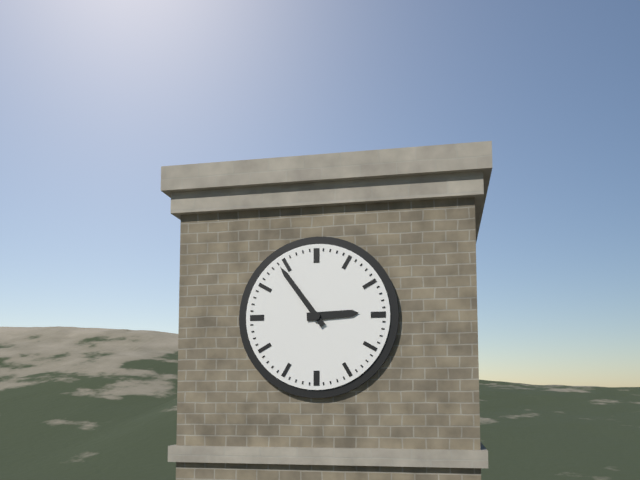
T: 2 h 54 min
